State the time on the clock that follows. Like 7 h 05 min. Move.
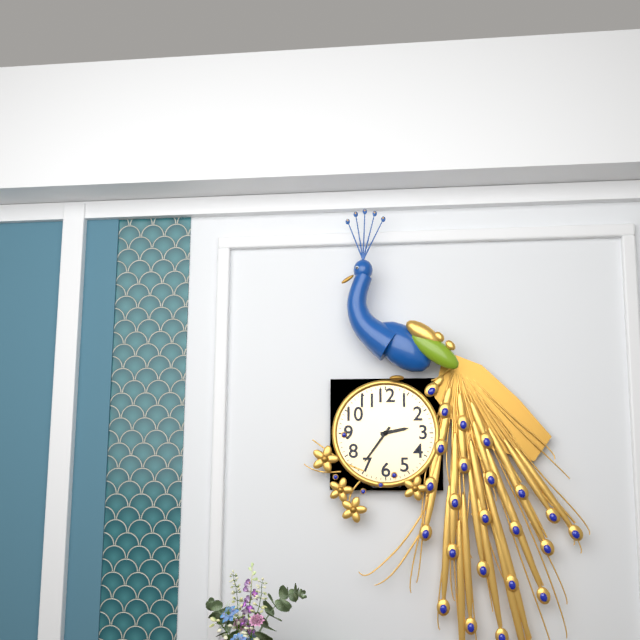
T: 2 h 36 min
